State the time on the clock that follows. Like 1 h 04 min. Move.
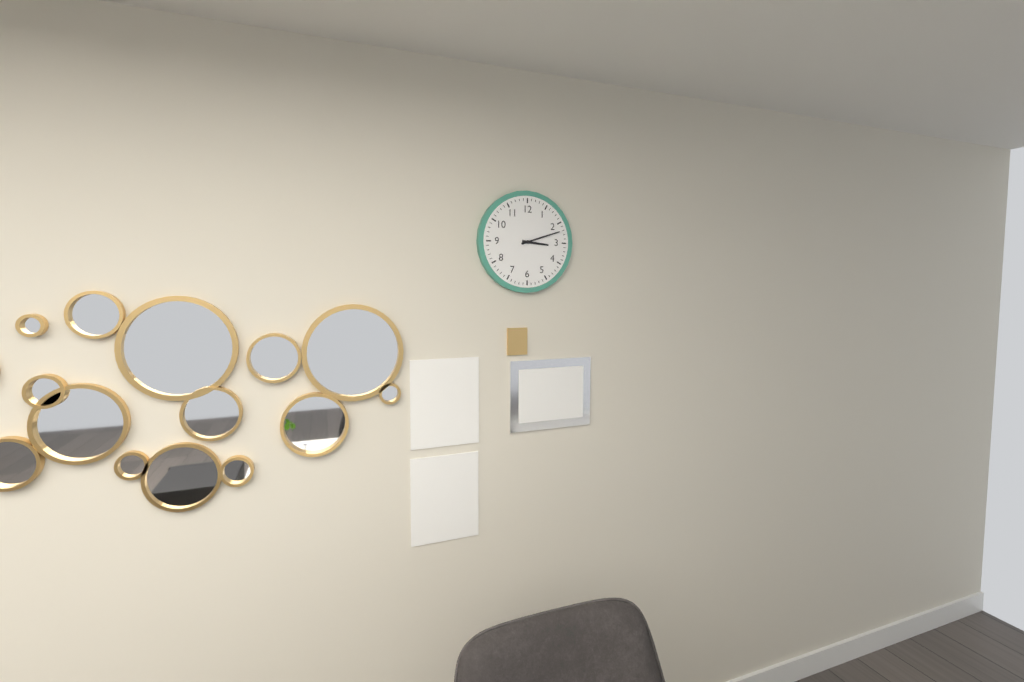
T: 3 h 12 min
